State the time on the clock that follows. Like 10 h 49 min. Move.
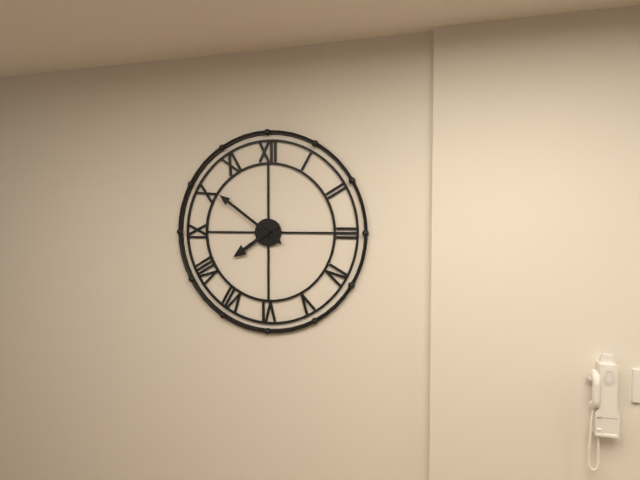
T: 7 h 51 min
